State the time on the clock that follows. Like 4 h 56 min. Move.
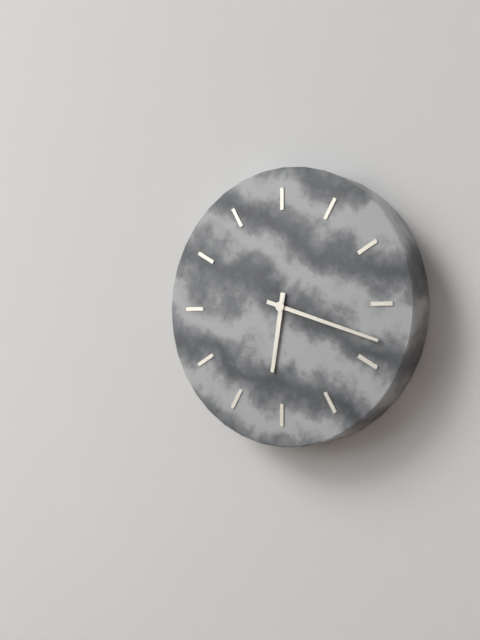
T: 6 h 18 min
